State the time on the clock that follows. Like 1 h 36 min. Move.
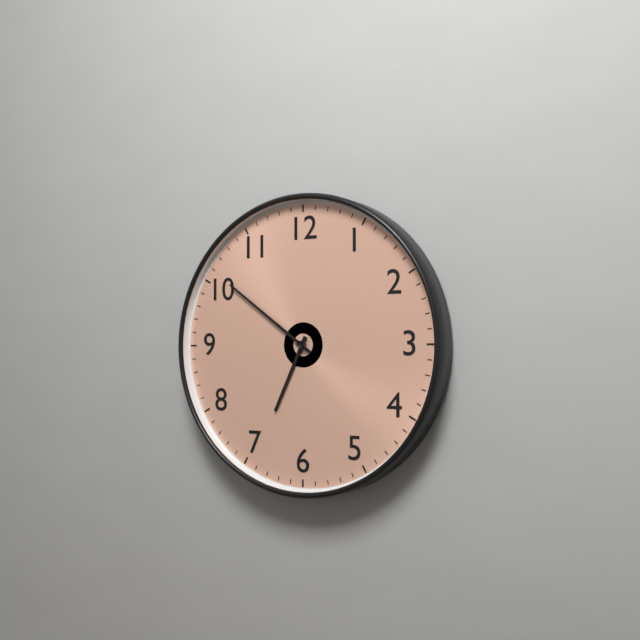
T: 6 h 51 min
